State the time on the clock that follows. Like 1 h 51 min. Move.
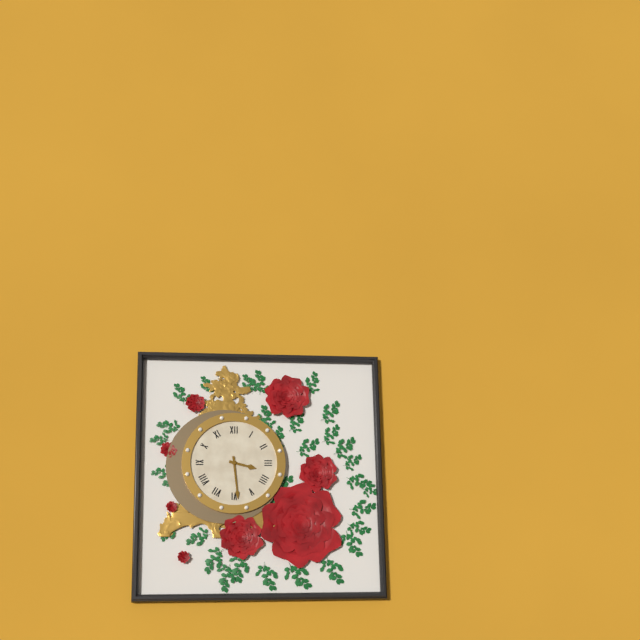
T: 3 h 29 min
